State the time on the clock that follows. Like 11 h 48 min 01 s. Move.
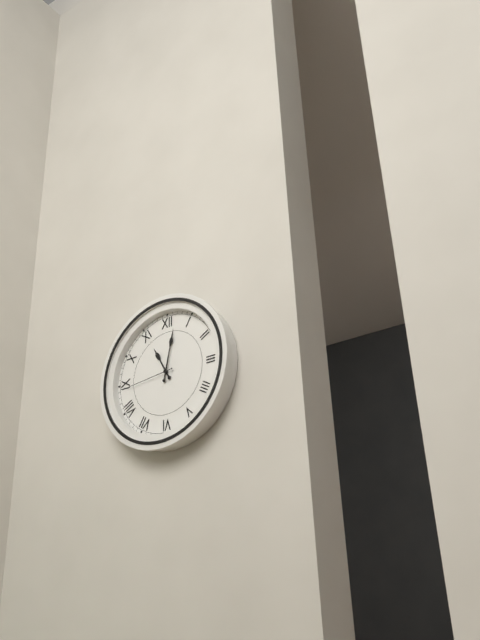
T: 11 h 02 min 44 s
